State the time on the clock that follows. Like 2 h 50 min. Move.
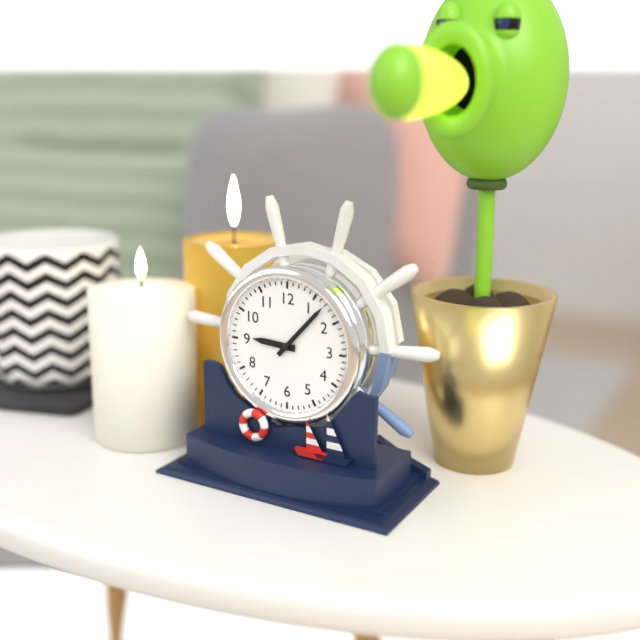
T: 9 h 07 min
